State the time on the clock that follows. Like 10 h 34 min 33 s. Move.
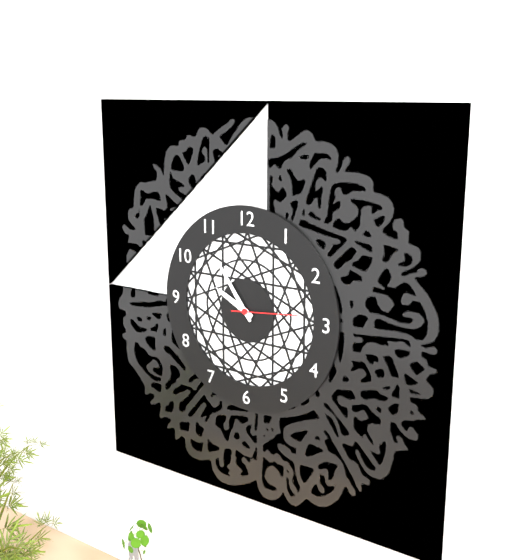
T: 9 h 54 min 14 s
